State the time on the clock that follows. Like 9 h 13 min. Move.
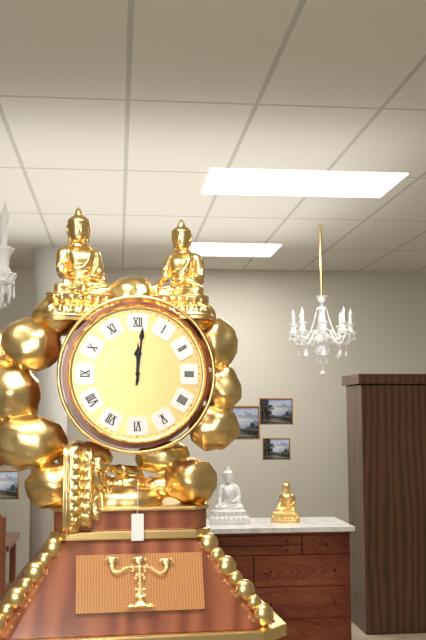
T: 12 h 01 min
